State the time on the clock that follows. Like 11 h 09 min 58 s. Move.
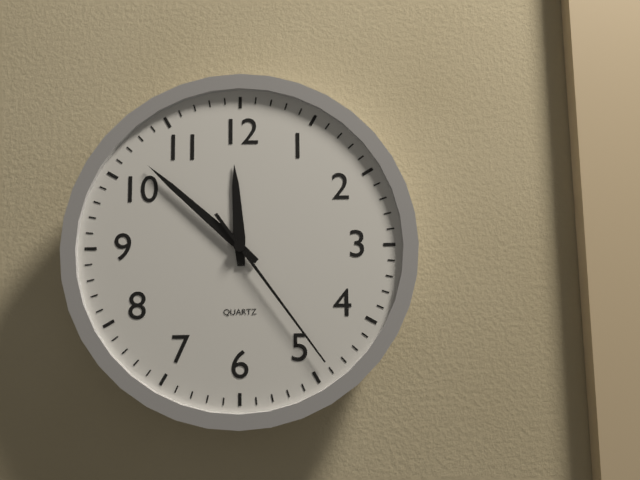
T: 11 h 52 min 24 s
